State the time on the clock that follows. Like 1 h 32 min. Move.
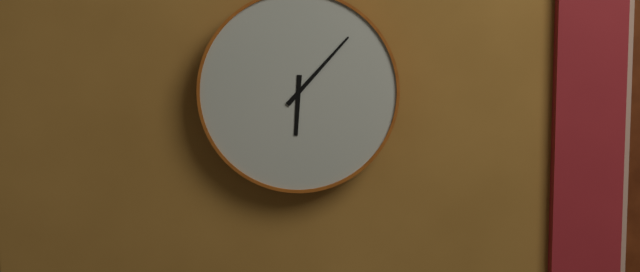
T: 6 h 07 min
